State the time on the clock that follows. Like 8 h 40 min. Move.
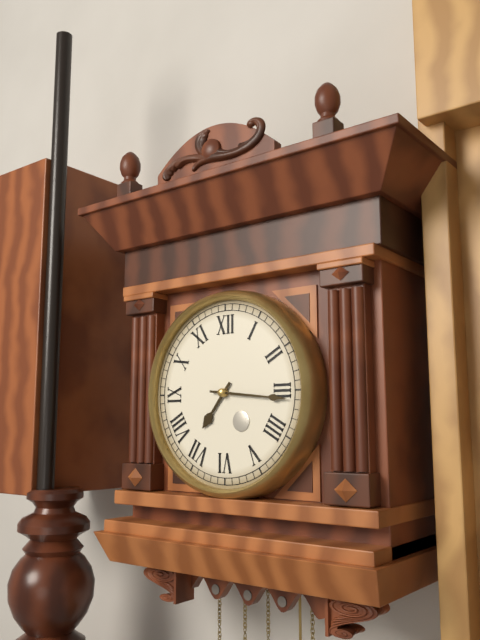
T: 7 h 16 min
